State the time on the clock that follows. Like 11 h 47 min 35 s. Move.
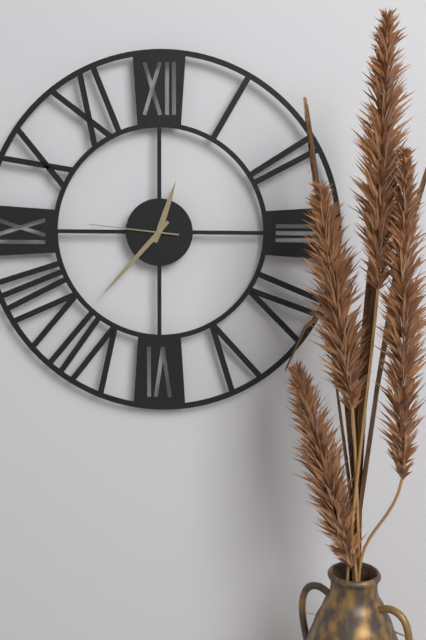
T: 12 h 37 min 46 s
